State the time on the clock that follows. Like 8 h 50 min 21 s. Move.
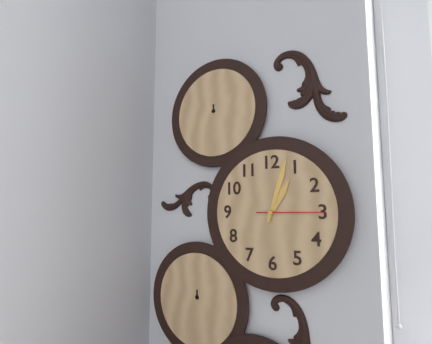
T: 1 h 03 min 15 s
